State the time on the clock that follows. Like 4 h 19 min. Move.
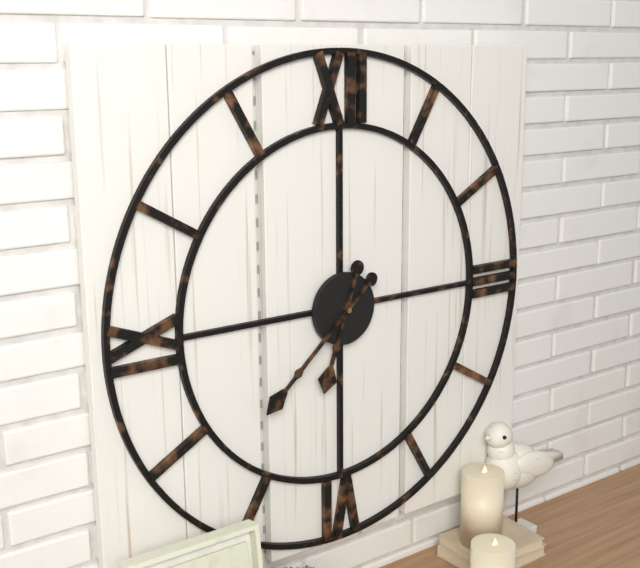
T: 6 h 38 min
